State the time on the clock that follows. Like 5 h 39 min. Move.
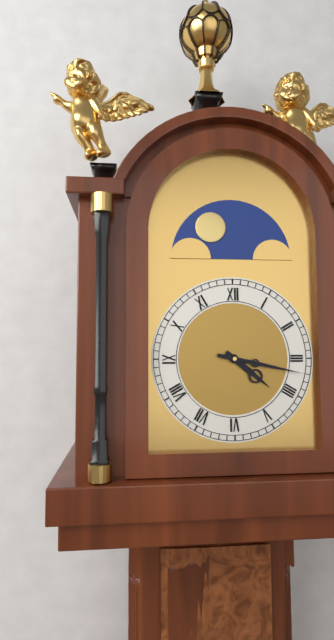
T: 4 h 17 min
